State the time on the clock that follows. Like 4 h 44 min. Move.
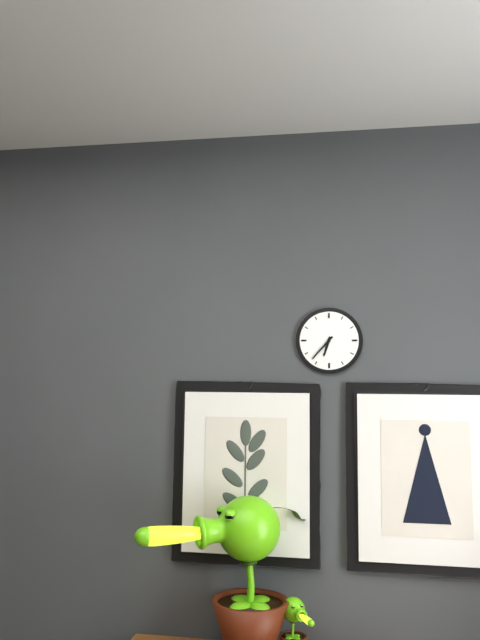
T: 6 h 37 min
